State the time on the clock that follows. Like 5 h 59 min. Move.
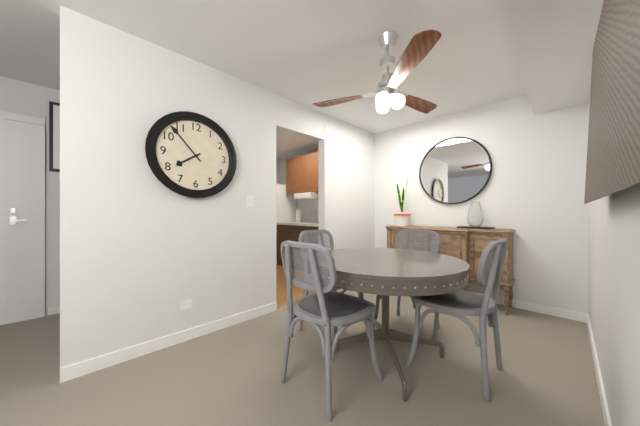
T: 7 h 53 min
